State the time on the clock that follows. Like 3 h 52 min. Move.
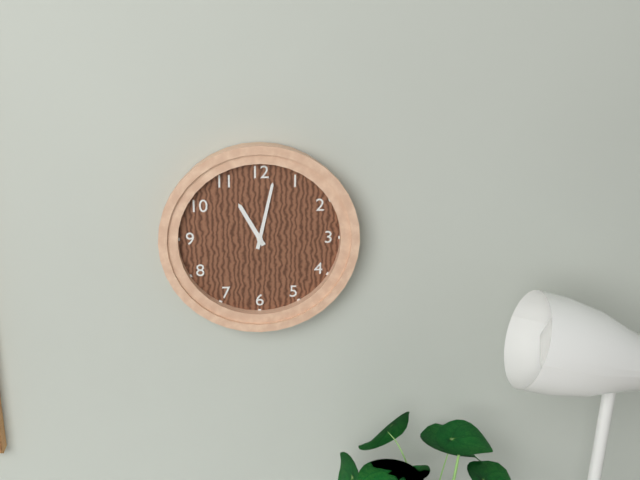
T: 11 h 02 min
